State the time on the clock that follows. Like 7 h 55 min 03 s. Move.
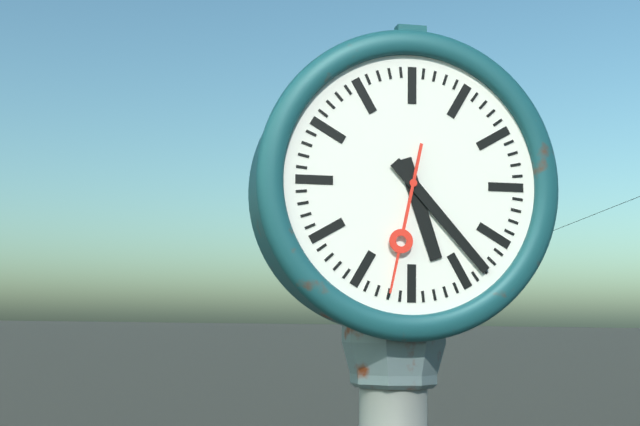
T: 5 h 23 min 32 s
